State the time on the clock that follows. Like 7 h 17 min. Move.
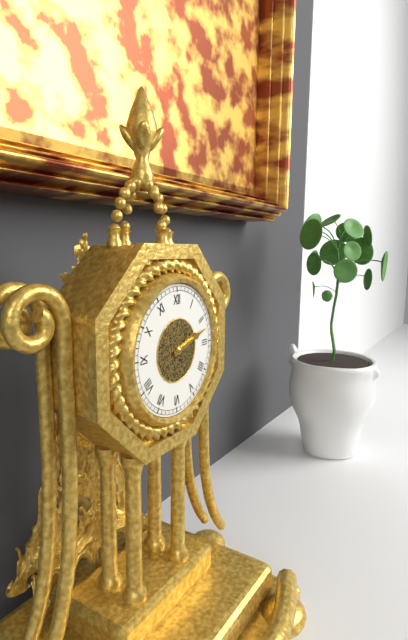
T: 2 h 12 min
